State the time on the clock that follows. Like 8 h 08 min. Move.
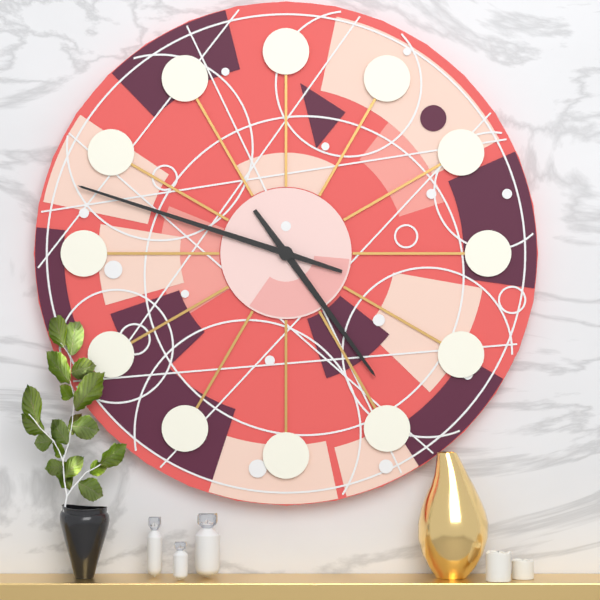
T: 4 h 48 min
